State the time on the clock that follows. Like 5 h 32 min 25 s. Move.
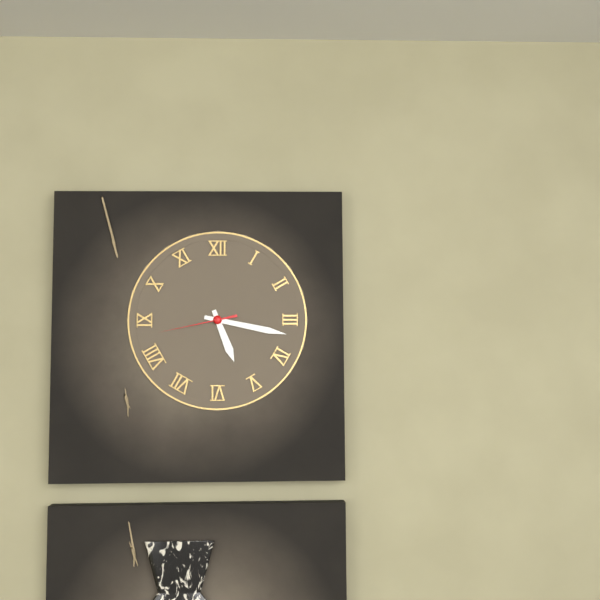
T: 5 h 17 min 43 s
